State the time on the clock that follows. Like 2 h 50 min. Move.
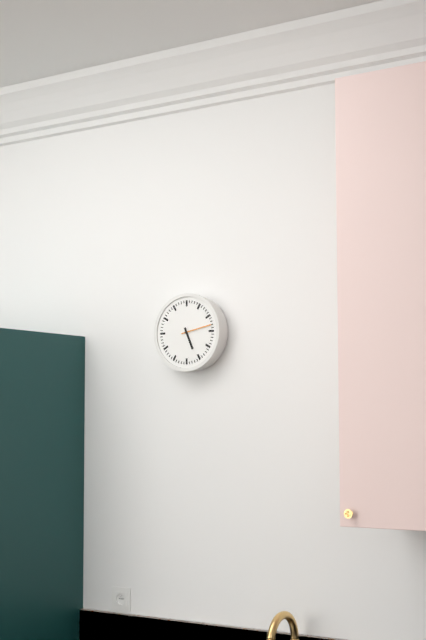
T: 5 h 13 min
